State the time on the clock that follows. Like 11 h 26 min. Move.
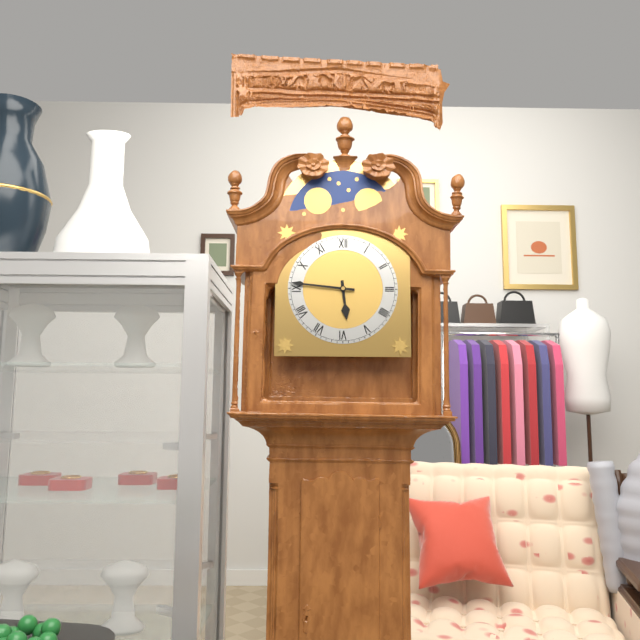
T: 5 h 46 min
